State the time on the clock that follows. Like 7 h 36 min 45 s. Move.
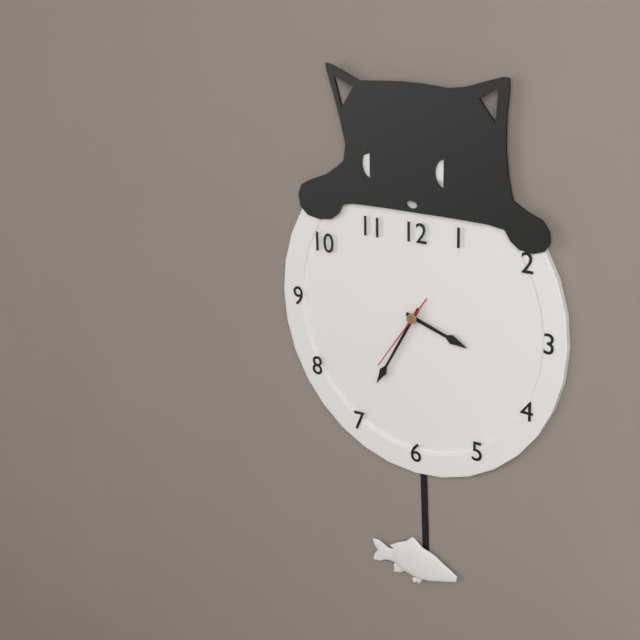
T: 3 h 35 min 36 s
